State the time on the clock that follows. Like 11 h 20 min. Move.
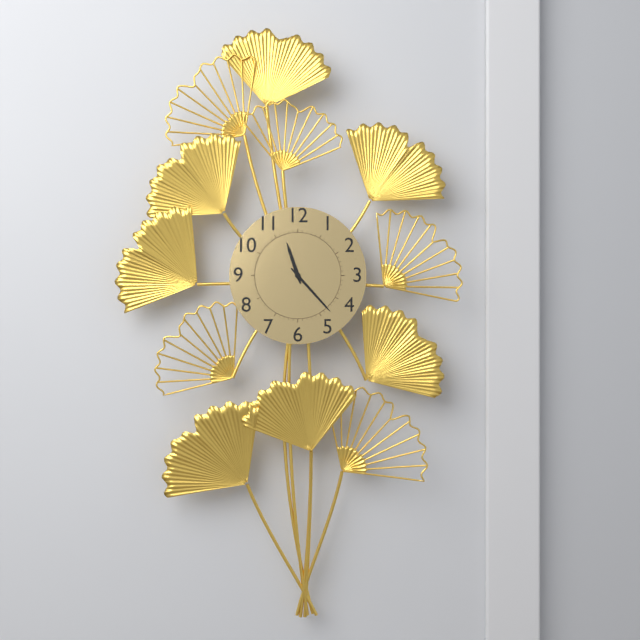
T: 11 h 23 min
